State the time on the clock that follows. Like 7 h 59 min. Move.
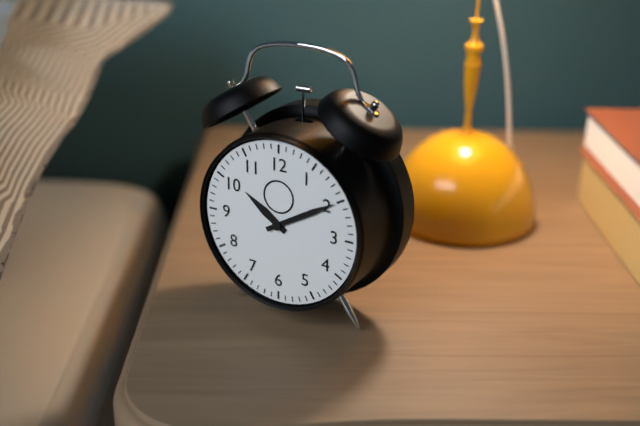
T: 10 h 10 min
